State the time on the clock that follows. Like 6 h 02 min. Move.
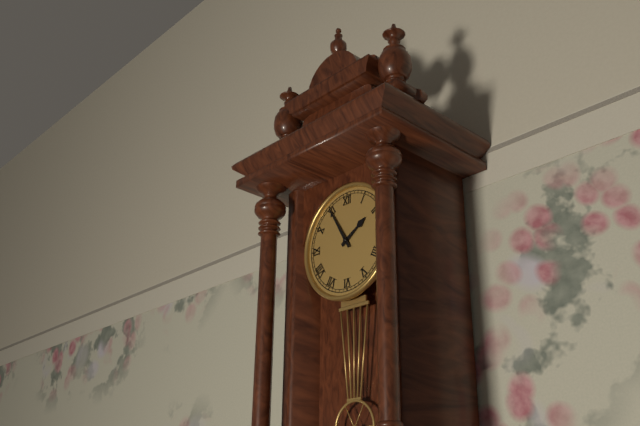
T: 1 h 55 min
